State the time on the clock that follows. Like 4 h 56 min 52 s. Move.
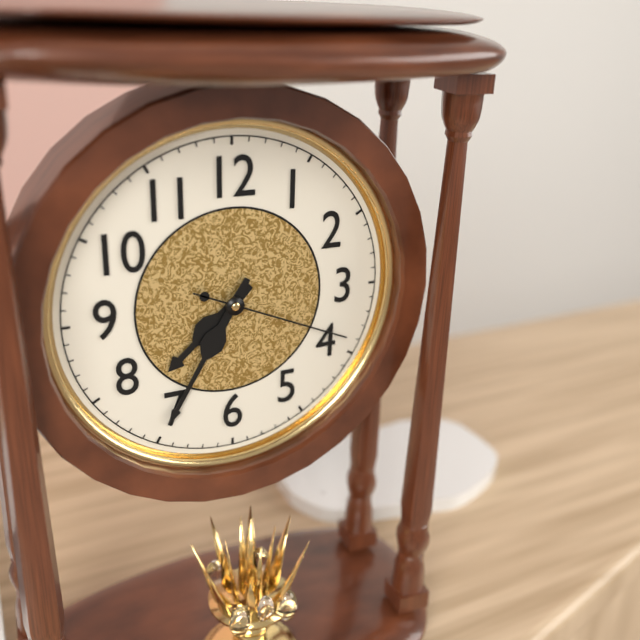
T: 7 h 35 min 19 s
